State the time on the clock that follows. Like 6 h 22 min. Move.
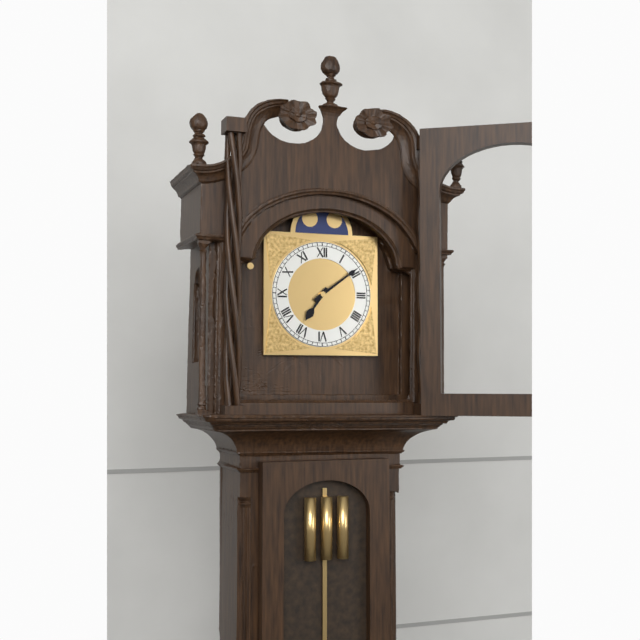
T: 7 h 09 min
